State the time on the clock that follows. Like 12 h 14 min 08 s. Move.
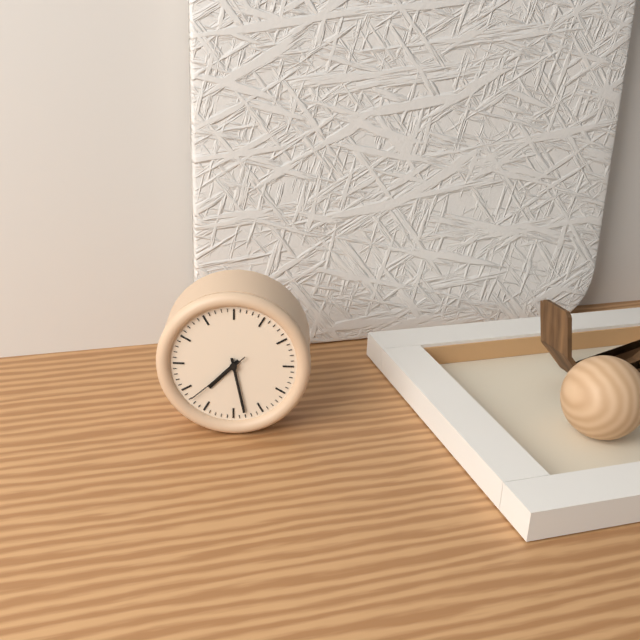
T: 7 h 28 min 38 s
